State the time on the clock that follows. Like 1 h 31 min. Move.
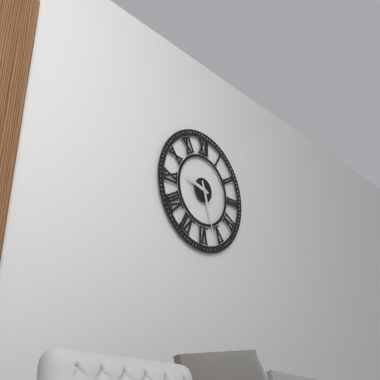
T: 9 h 27 min
